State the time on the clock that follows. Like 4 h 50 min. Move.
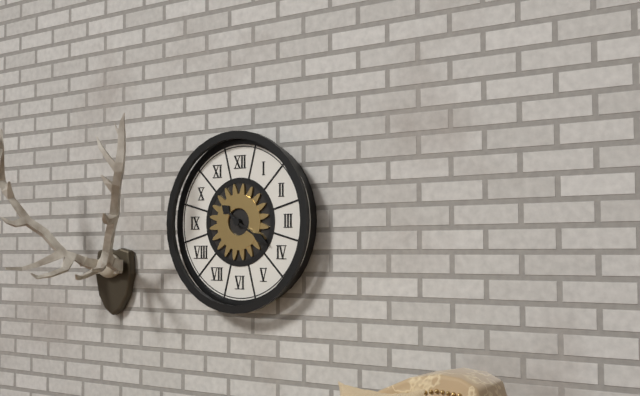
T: 10 h 20 min
